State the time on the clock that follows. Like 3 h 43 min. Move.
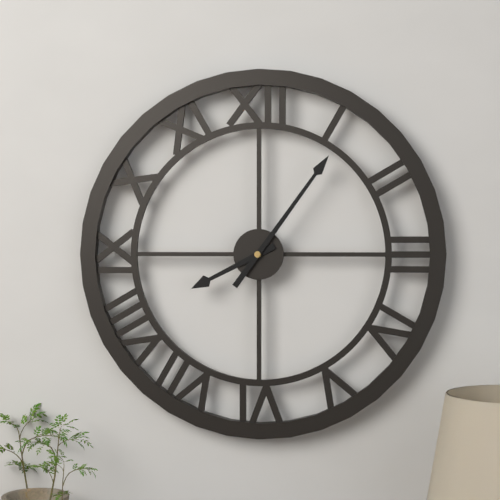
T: 8 h 06 min
